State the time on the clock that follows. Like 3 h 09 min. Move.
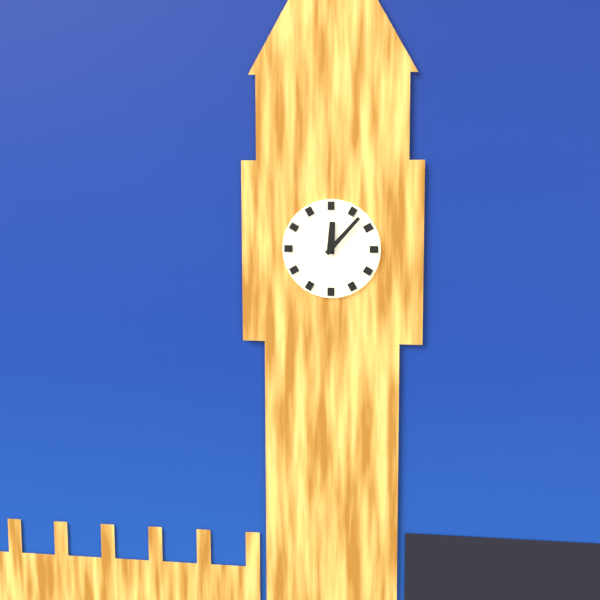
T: 12 h 07 min
